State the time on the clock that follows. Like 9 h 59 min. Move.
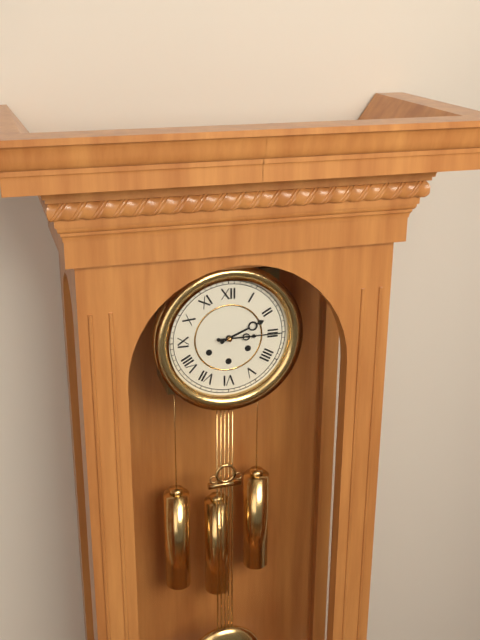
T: 2 h 15 min
